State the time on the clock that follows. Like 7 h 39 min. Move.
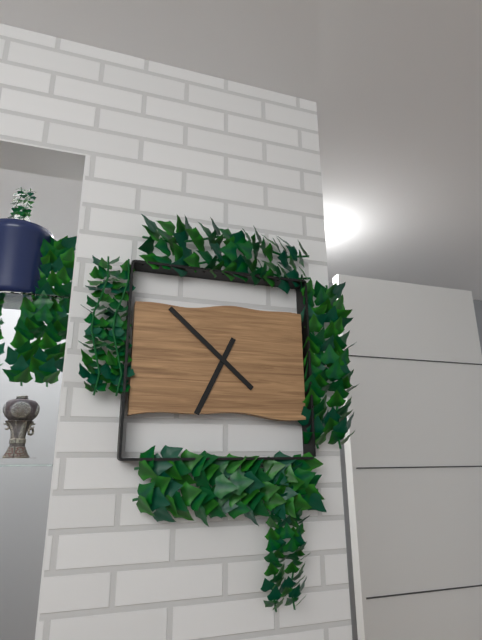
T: 6 h 52 min
